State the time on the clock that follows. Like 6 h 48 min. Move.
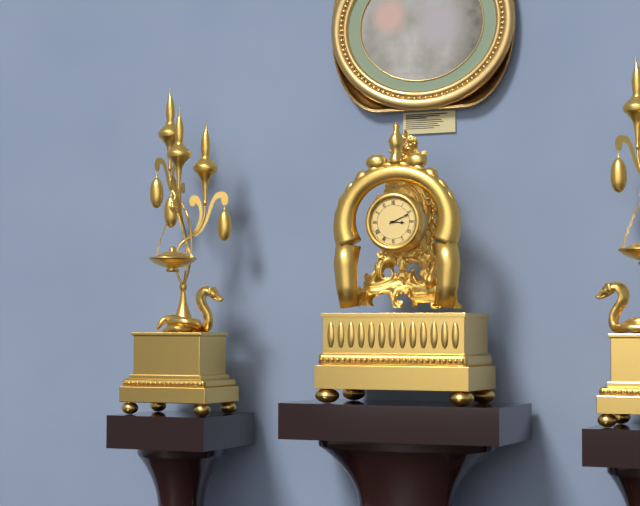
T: 3 h 11 min
